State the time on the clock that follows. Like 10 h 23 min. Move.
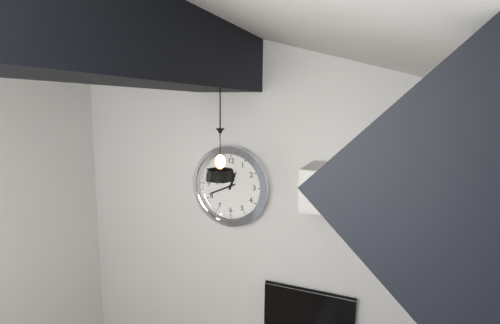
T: 12 h 41 min
